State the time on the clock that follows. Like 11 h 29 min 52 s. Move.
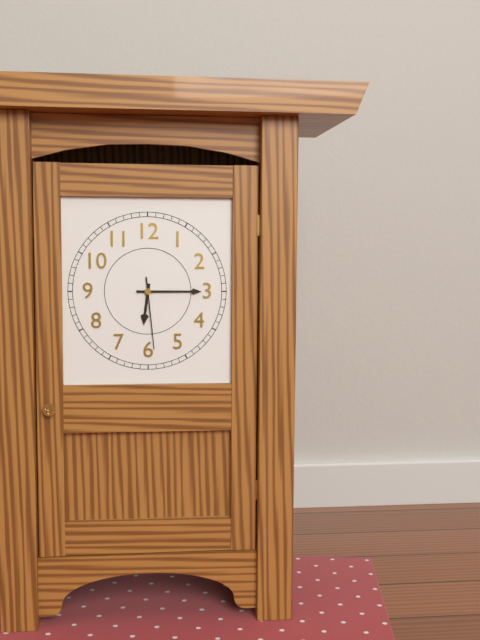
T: 6 h 15 min 29 s
